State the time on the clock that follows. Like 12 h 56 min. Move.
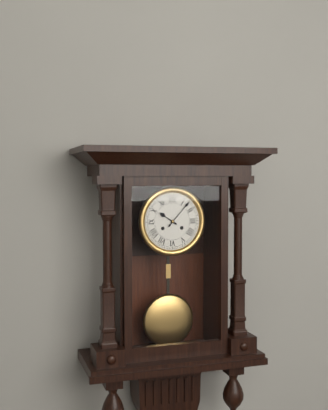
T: 10 h 07 min
